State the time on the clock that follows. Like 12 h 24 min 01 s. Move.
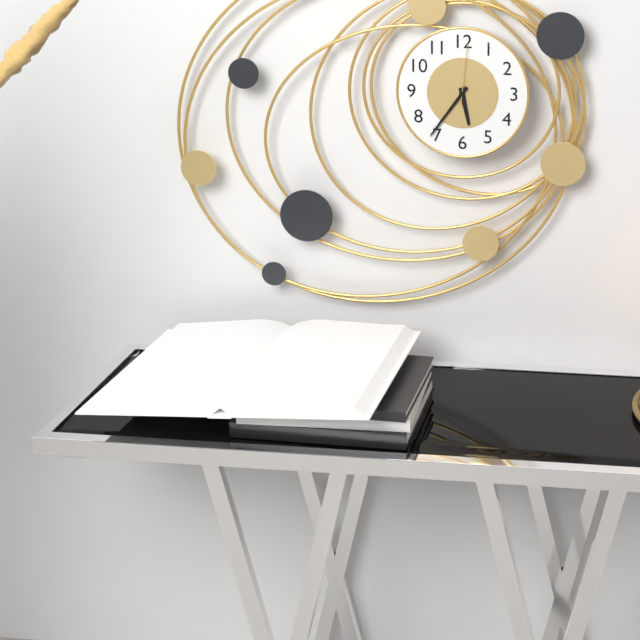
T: 5 h 36 min 01 s
